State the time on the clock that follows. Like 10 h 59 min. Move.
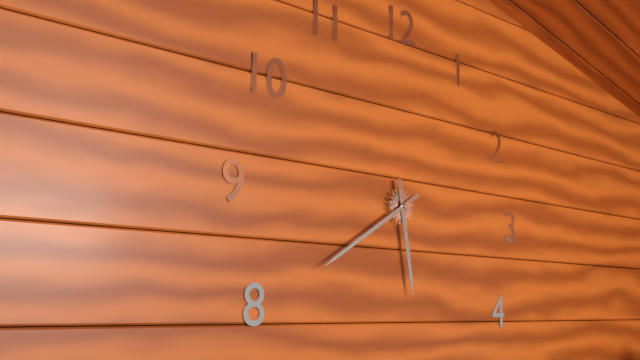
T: 5 h 40 min
